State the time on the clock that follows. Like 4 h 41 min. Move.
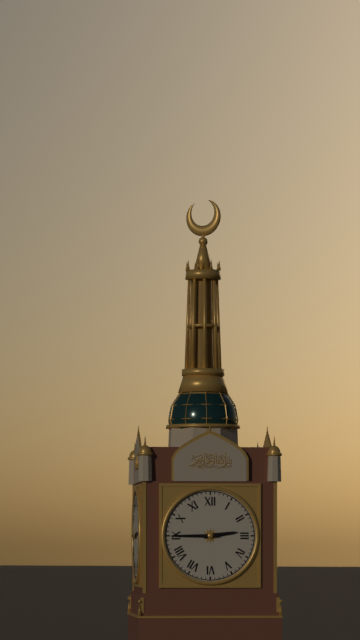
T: 2 h 45 min
